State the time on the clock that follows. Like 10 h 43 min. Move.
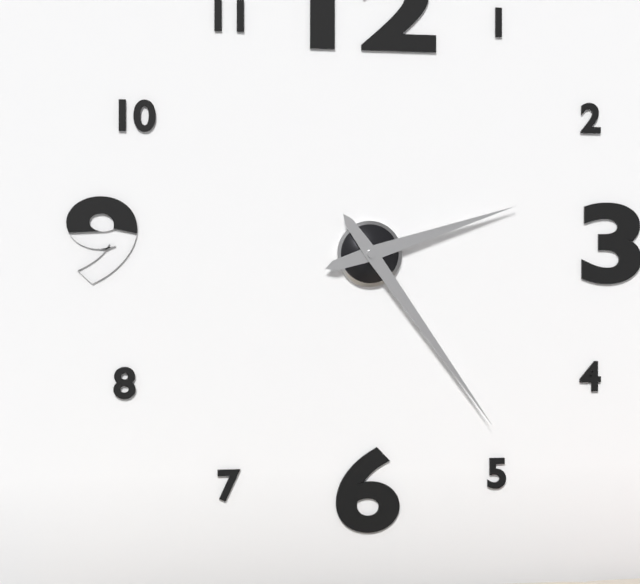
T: 2 h 24 min
